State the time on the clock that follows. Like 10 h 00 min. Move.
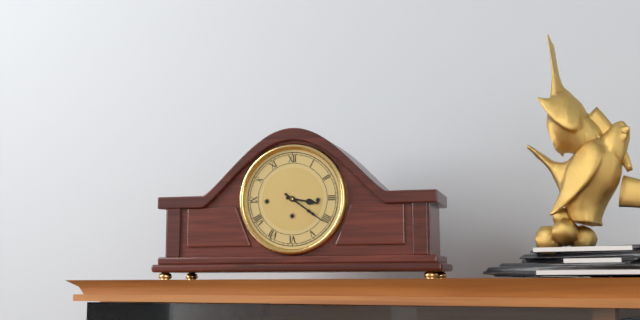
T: 3 h 21 min
